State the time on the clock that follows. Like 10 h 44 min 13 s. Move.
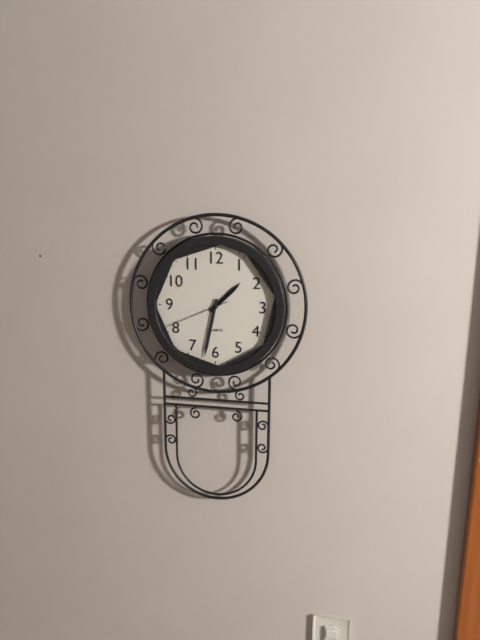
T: 1 h 32 min 41 s
